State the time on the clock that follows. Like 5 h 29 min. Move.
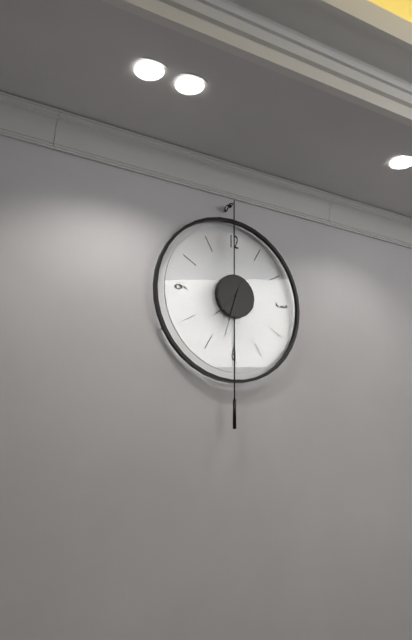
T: 7 h 33 min
